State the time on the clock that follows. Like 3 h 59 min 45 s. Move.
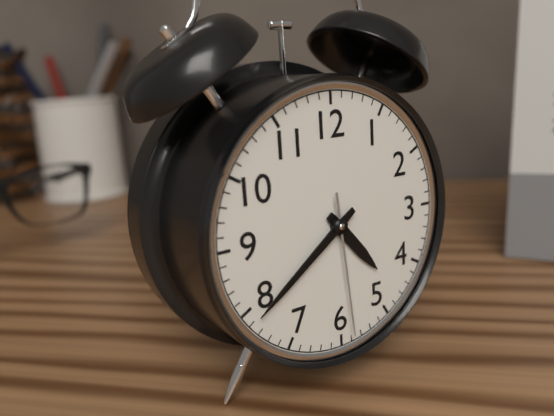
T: 4 h 39 min 29 s
